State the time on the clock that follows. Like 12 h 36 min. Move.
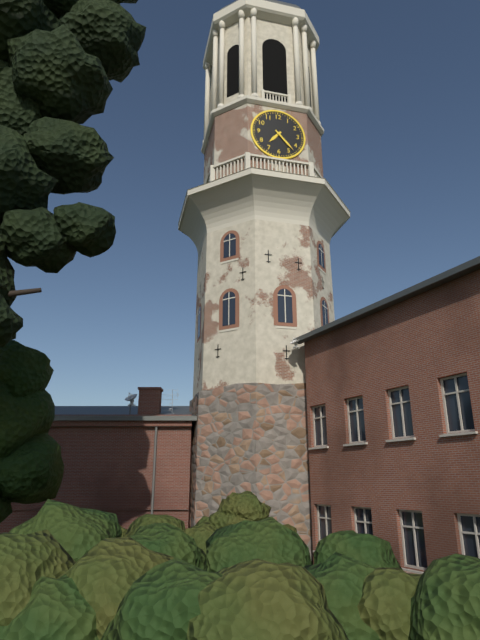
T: 7 h 23 min
